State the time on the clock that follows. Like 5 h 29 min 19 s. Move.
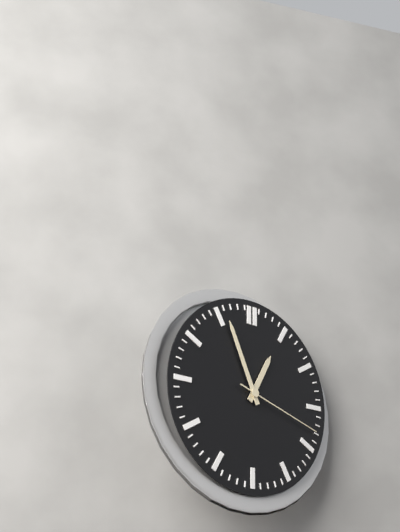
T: 12 h 56 min 18 s
